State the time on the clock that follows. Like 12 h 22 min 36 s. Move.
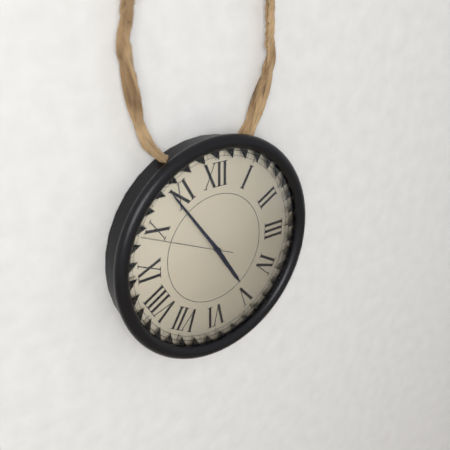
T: 4 h 54 min 49 s
